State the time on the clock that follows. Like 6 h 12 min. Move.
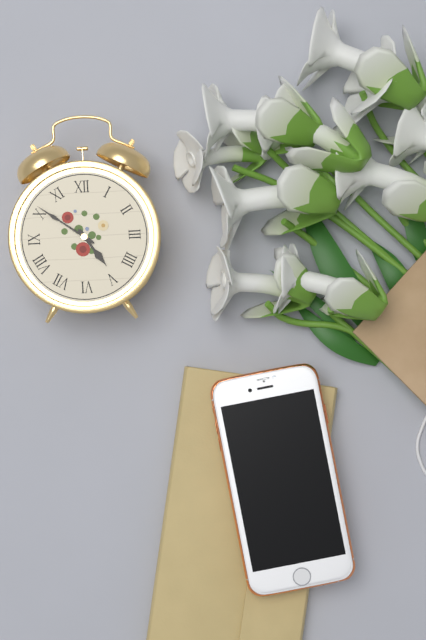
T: 4 h 51 min
